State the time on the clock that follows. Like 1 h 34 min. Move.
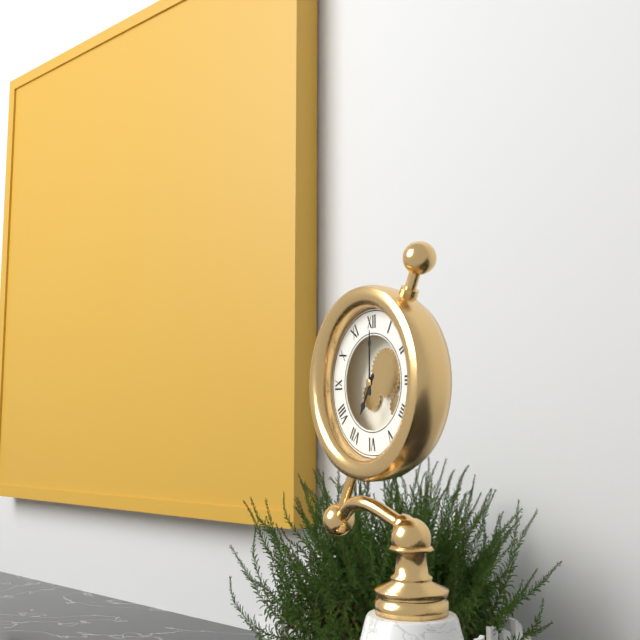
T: 7 h 00 min
